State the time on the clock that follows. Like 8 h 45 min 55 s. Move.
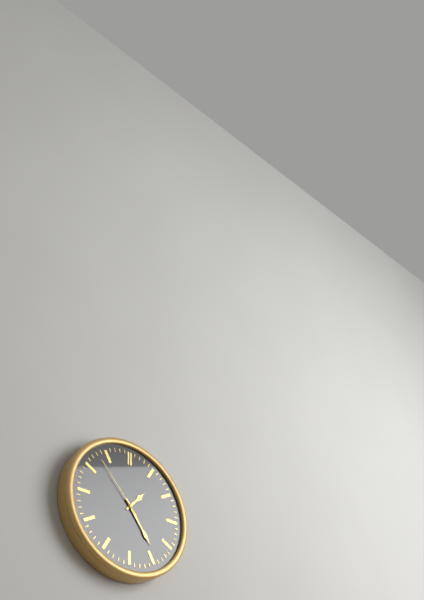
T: 1 h 24 min 53 s
